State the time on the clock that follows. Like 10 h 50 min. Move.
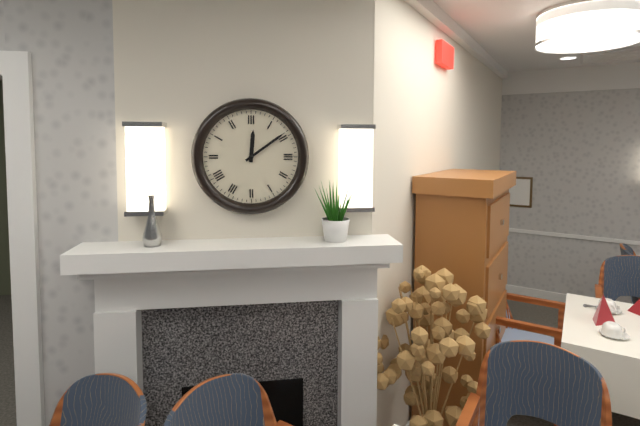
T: 12 h 09 min
